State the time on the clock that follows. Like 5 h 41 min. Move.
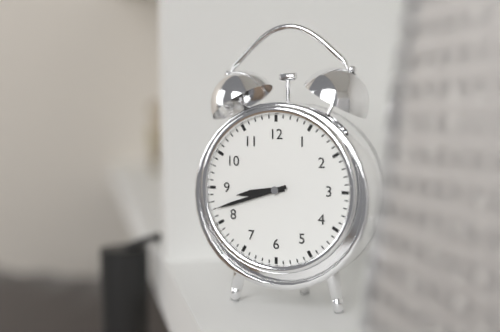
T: 8 h 42 min
